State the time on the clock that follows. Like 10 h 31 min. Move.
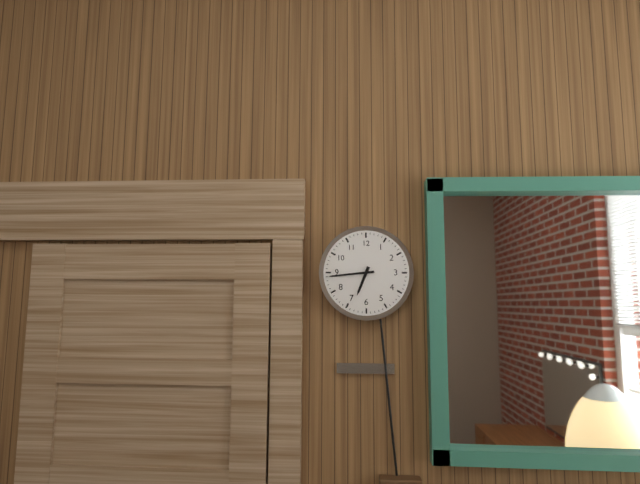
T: 6 h 44 min
